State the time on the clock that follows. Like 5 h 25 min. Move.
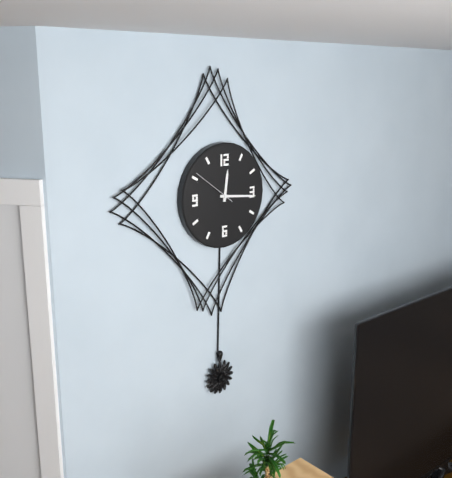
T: 12 h 16 min
